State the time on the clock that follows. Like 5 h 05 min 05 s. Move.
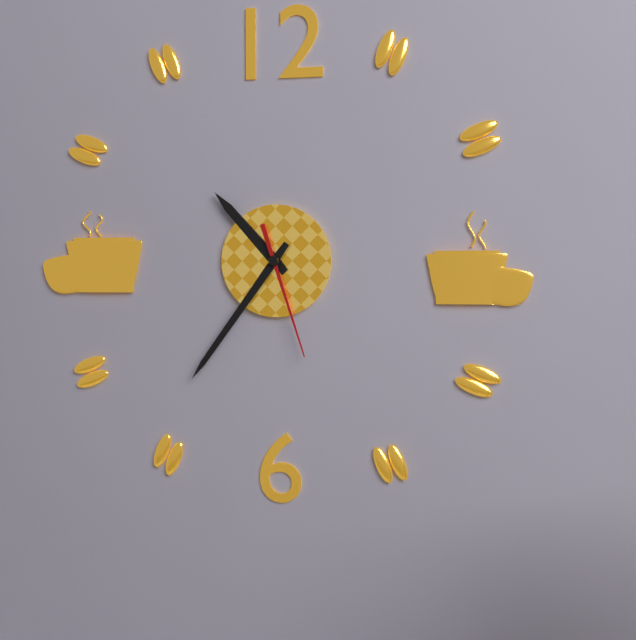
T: 10 h 36 min 27 s
